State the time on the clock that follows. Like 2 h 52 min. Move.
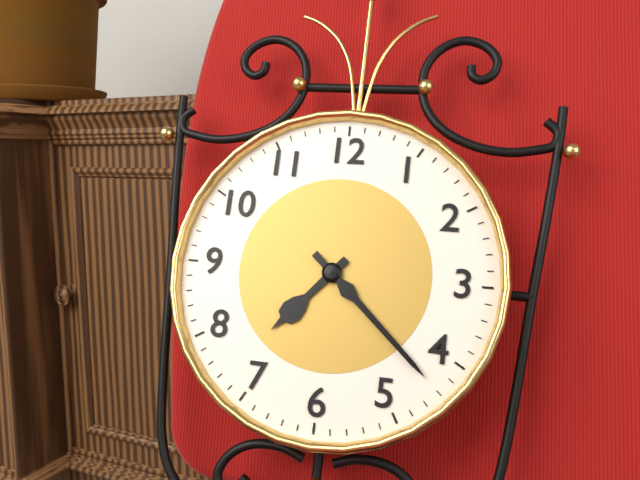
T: 7 h 22 min
